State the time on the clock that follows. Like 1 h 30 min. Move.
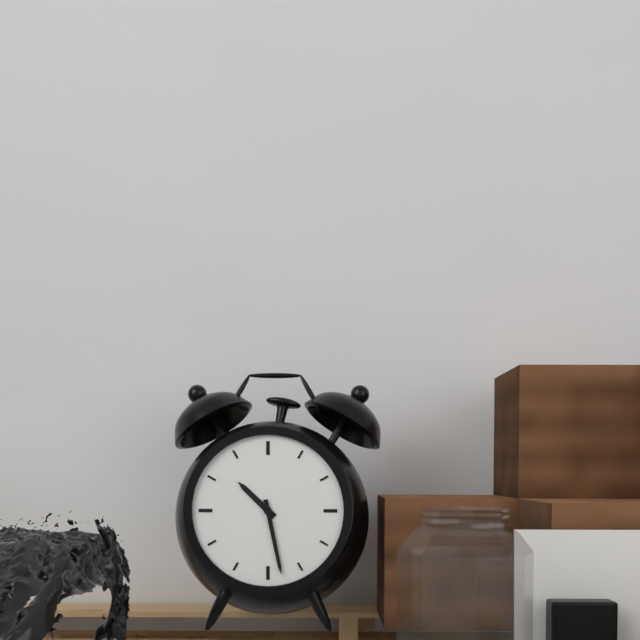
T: 10 h 28 min
